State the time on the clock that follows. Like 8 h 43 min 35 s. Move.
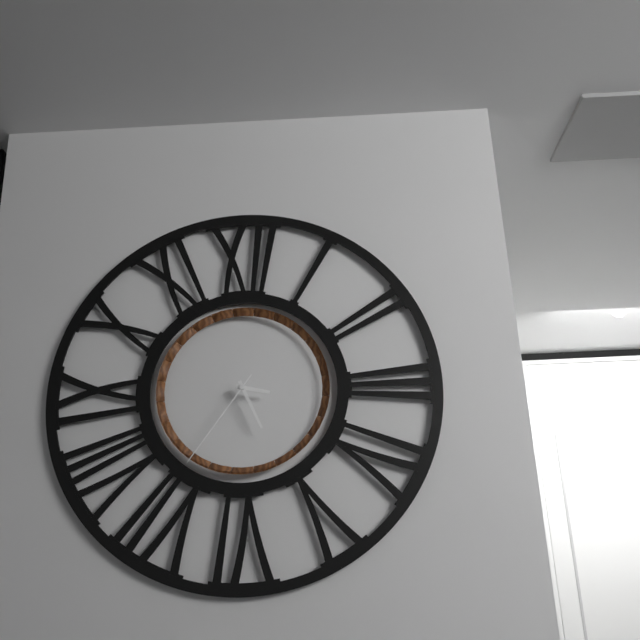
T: 3 h 26 min 36 s
